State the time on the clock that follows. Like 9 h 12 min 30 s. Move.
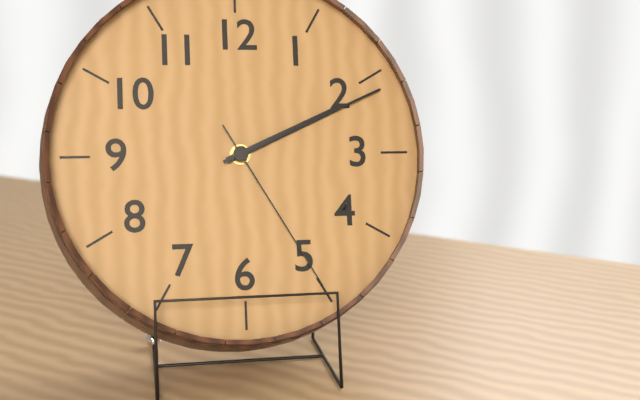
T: 2 h 11 min 25 s
